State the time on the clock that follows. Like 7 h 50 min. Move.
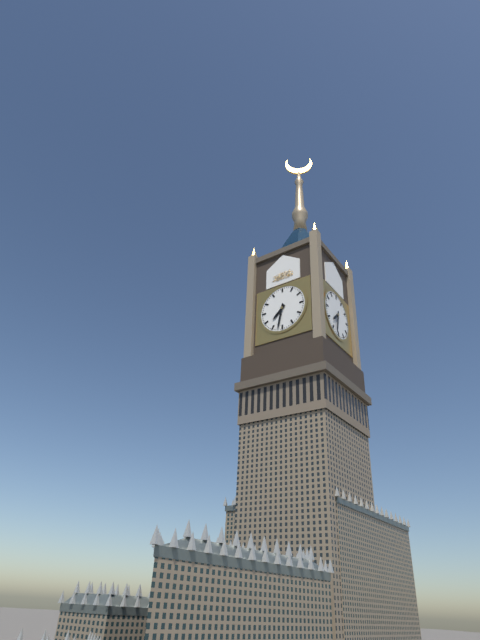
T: 7 h 32 min
